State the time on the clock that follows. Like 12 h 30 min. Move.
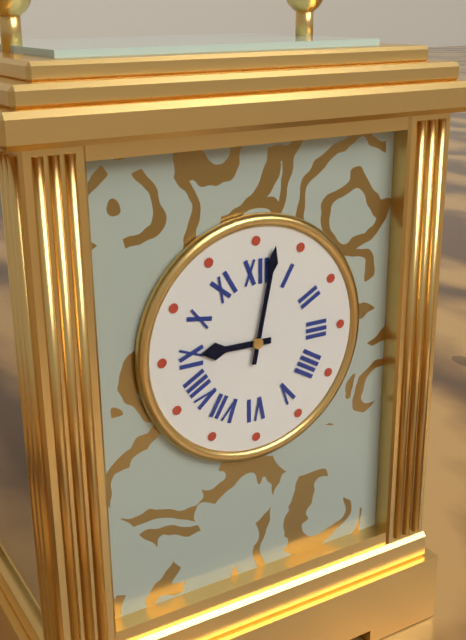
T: 9 h 02 min
